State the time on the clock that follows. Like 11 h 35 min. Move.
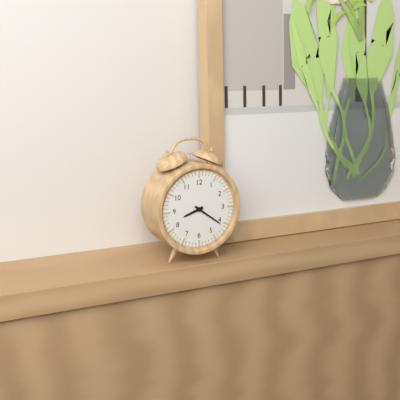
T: 8 h 21 min
